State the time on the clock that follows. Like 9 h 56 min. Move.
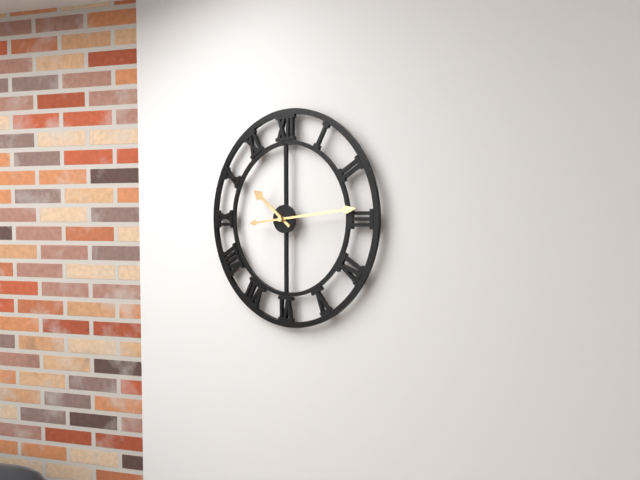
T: 10 h 14 min
